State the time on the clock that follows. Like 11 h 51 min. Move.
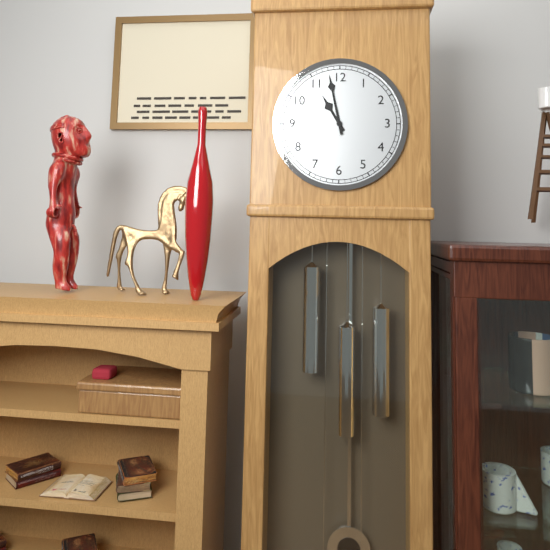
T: 10 h 58 min
